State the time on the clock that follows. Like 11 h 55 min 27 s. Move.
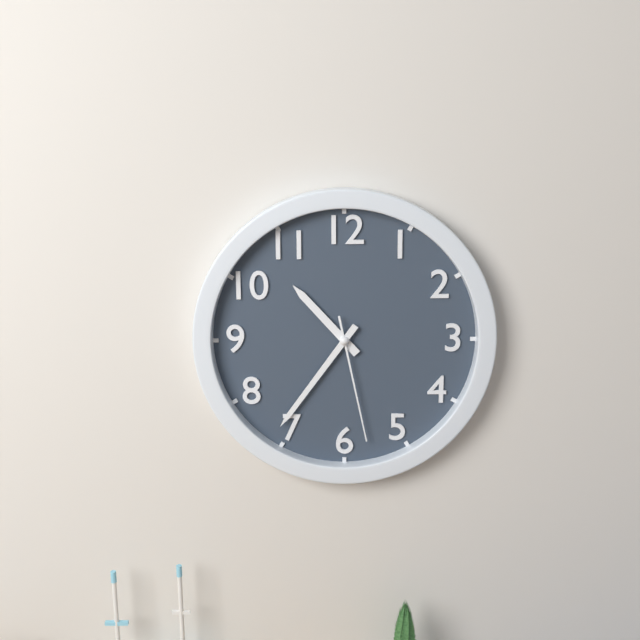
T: 10 h 36 min 28 s
